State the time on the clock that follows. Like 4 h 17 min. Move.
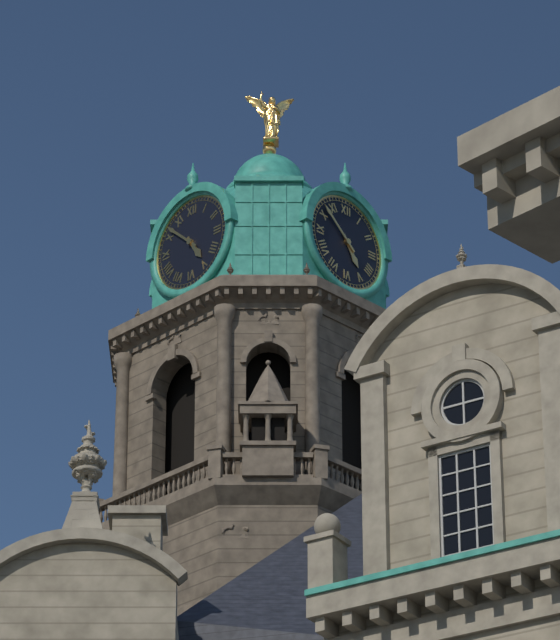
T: 4 h 52 min
